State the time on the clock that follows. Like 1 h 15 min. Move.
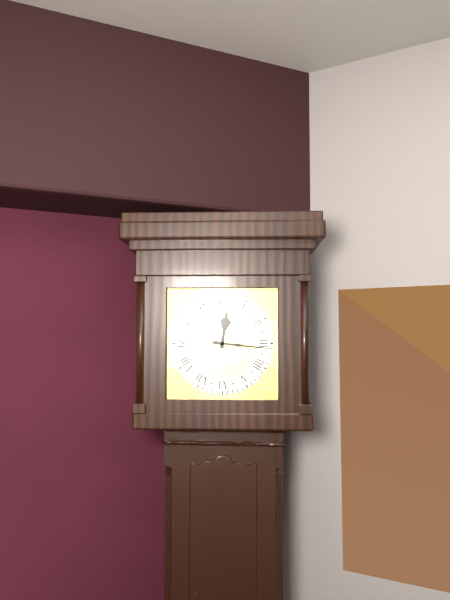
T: 12 h 16 min
